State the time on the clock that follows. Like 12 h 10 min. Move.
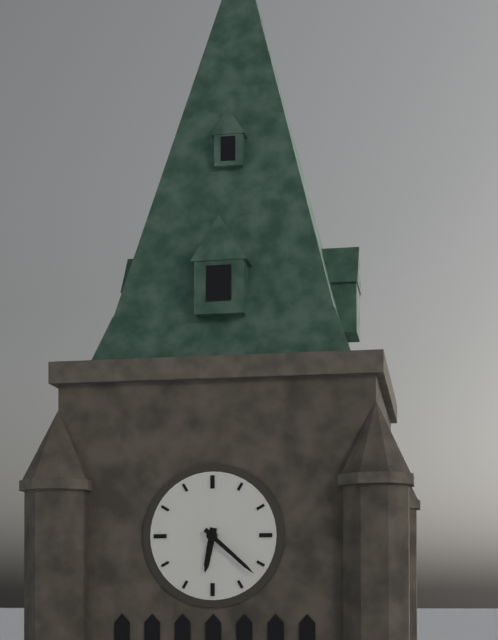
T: 6 h 22 min
